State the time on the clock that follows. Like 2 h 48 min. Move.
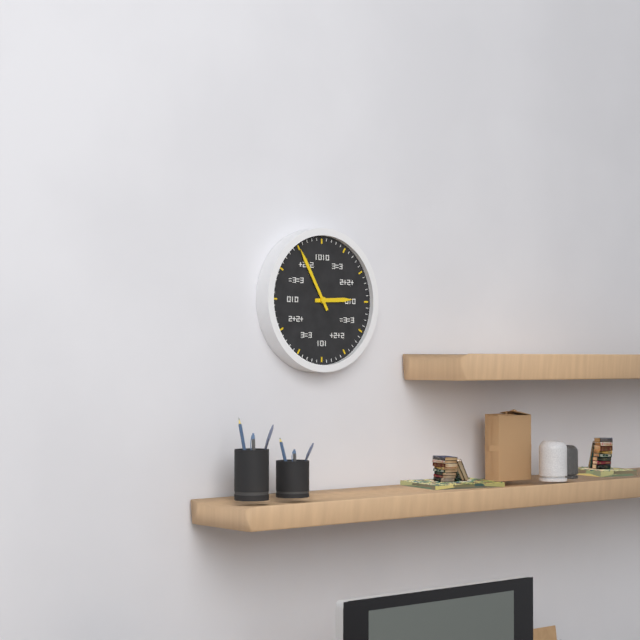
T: 2 h 55 min
